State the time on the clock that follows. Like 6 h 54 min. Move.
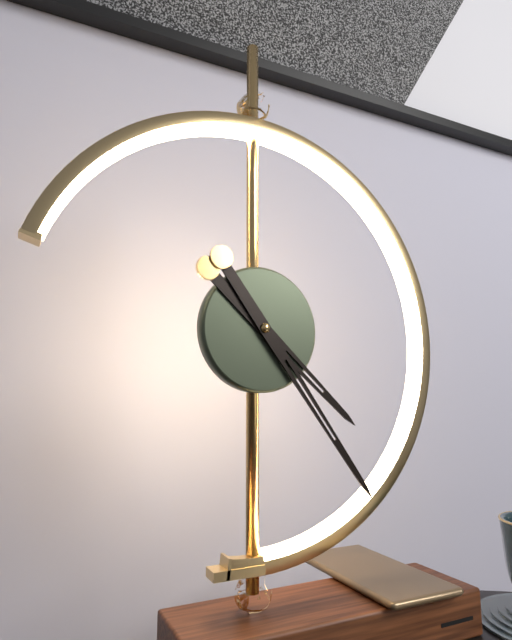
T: 4 h 24 min
